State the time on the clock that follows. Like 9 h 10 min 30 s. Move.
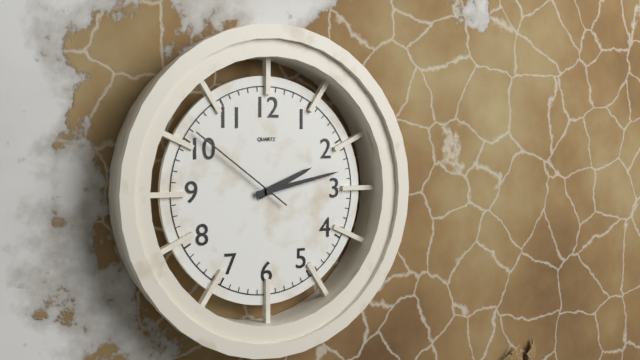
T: 2 h 13 min 51 s
